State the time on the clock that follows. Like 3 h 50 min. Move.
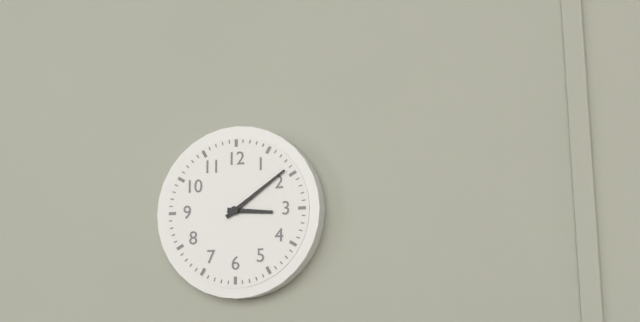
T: 3 h 09 min
